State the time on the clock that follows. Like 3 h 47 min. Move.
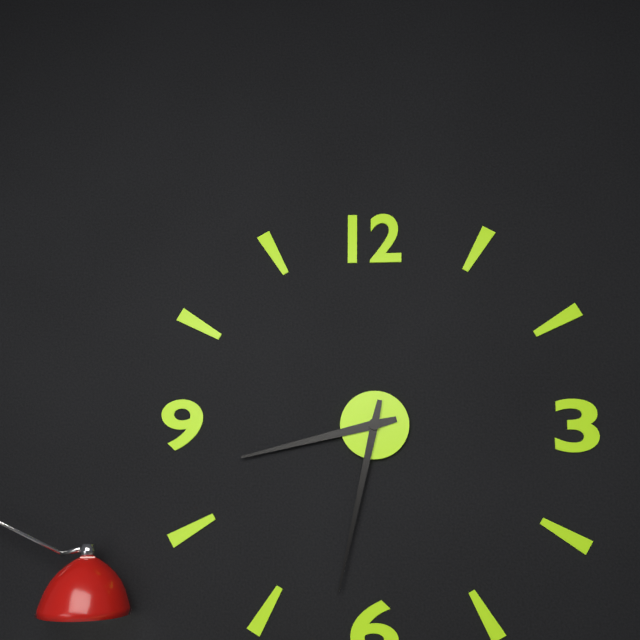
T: 8 h 32 min
